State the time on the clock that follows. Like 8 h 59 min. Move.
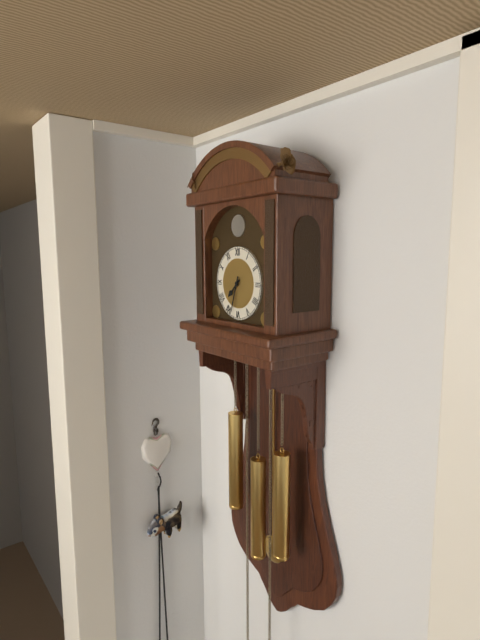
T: 7 h 33 min
